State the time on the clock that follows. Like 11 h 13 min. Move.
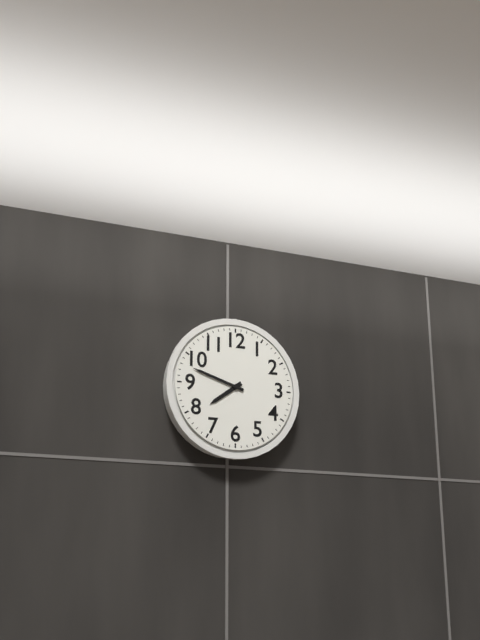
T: 7 h 48 min
